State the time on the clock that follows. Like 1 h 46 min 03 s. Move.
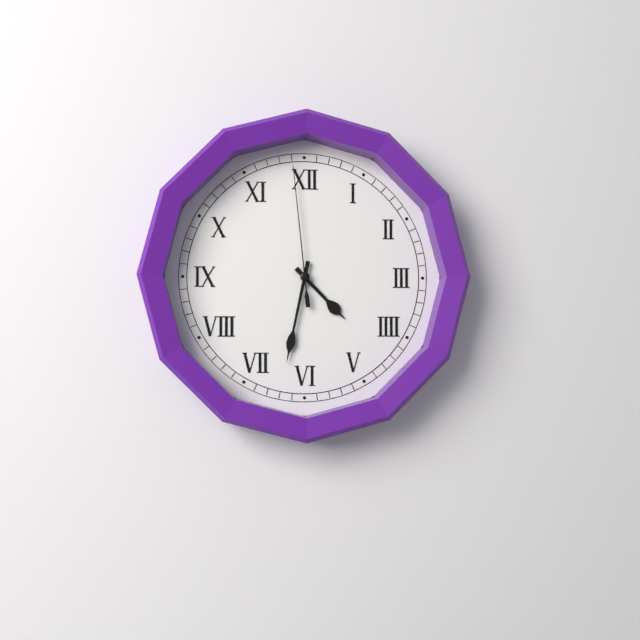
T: 4 h 32 min 59 s
